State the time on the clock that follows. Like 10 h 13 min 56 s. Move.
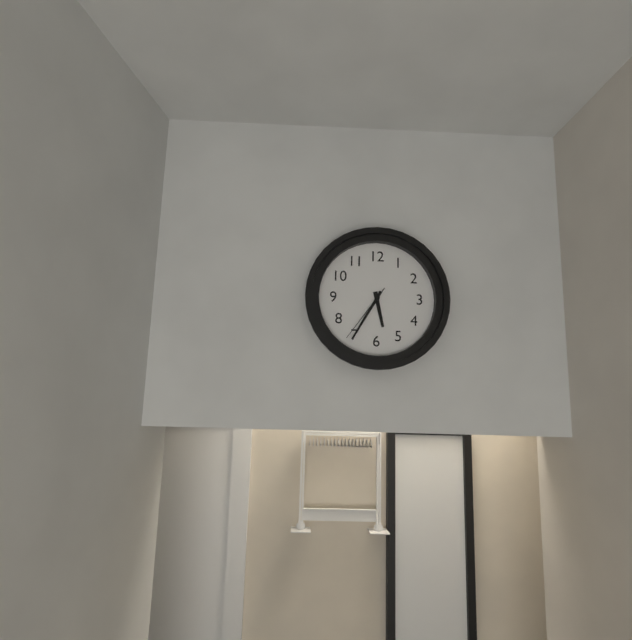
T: 5 h 35 min 36 s
